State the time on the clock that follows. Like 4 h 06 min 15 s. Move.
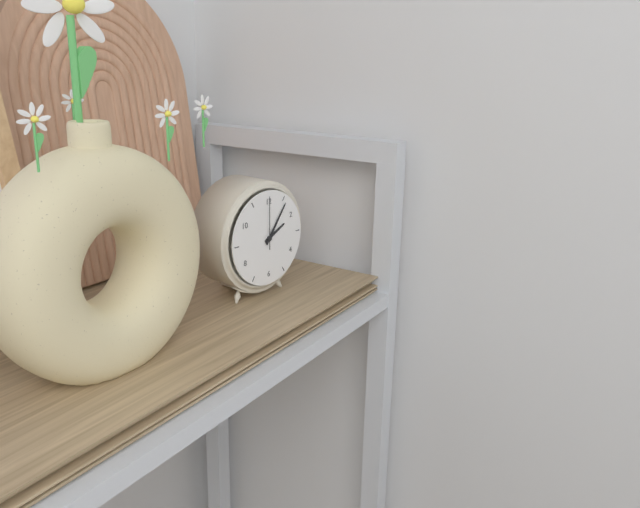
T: 2 h 06 min 00 s
